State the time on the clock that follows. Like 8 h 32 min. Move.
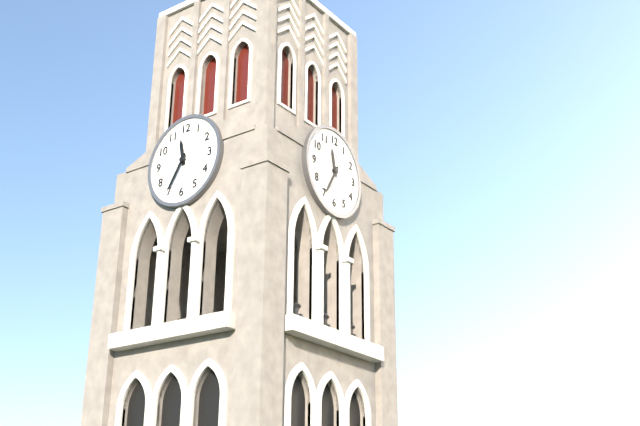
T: 11 h 35 min
